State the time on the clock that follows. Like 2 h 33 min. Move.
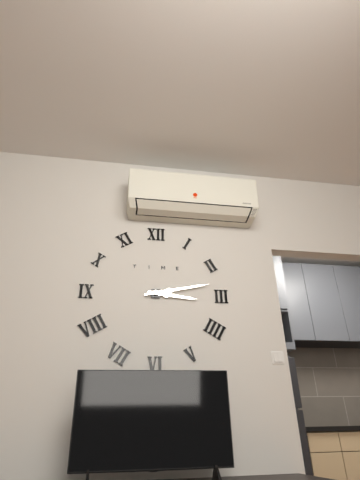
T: 3 h 13 min
